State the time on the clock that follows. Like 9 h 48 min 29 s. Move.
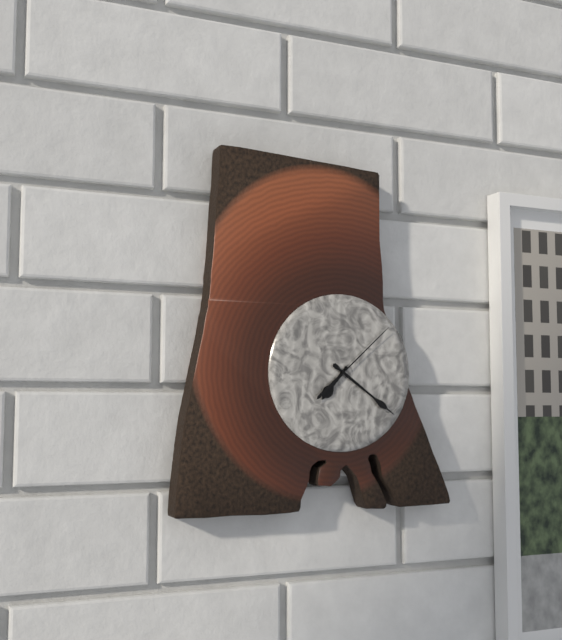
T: 7 h 21 min 08 s
